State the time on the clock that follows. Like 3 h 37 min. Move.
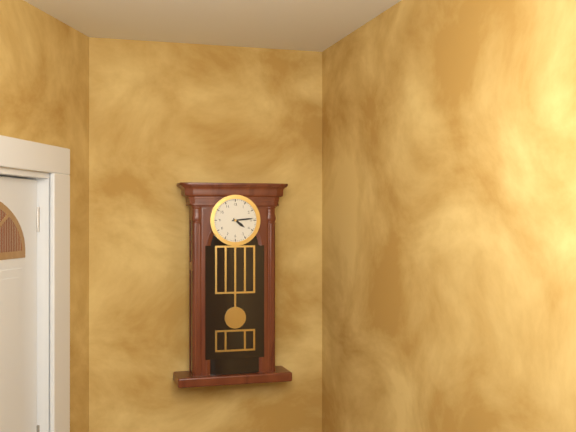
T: 4 h 14 min
